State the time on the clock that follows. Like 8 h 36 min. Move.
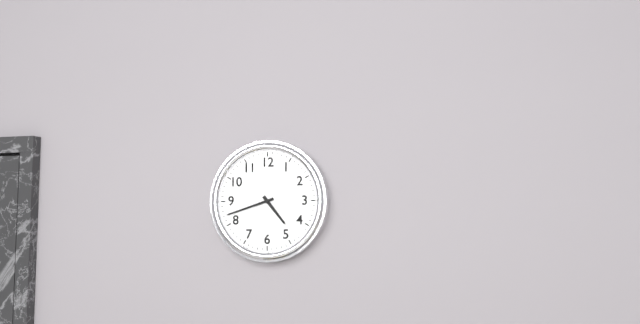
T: 4 h 42 min
